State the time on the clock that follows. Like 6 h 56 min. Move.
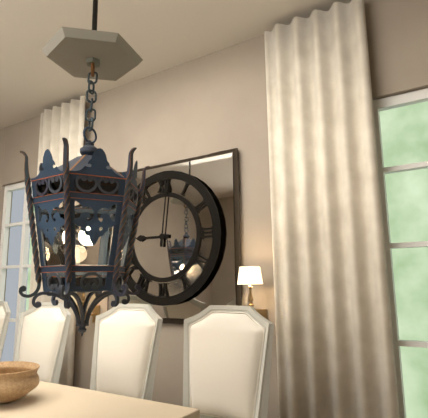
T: 9 h 01 min
